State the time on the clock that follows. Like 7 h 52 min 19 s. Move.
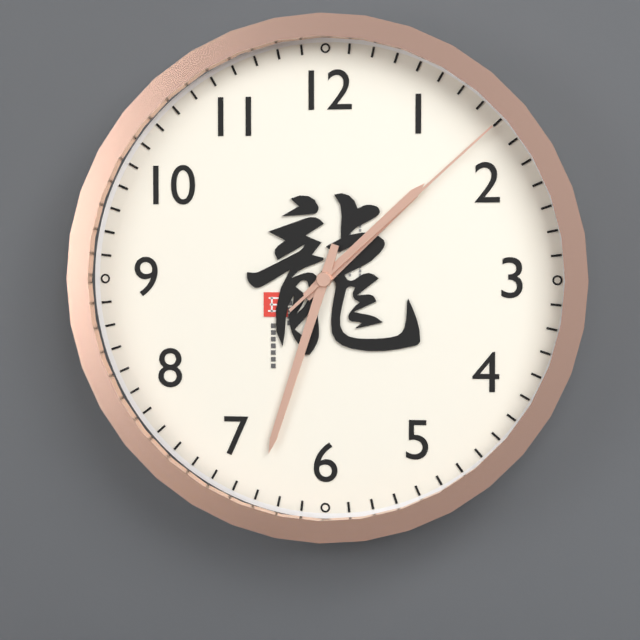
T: 1 h 33 min 08 s
